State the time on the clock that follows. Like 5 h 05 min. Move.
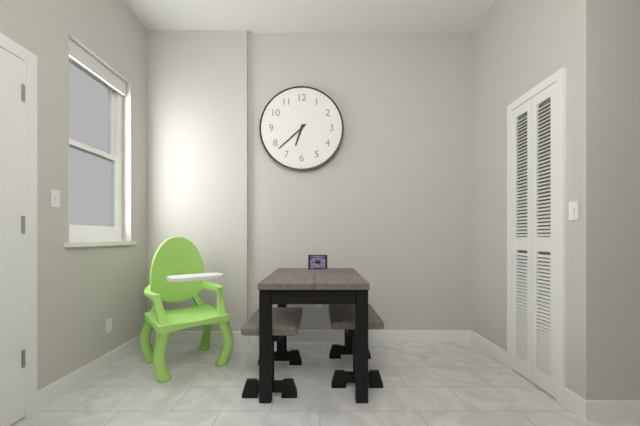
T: 6 h 38 min
